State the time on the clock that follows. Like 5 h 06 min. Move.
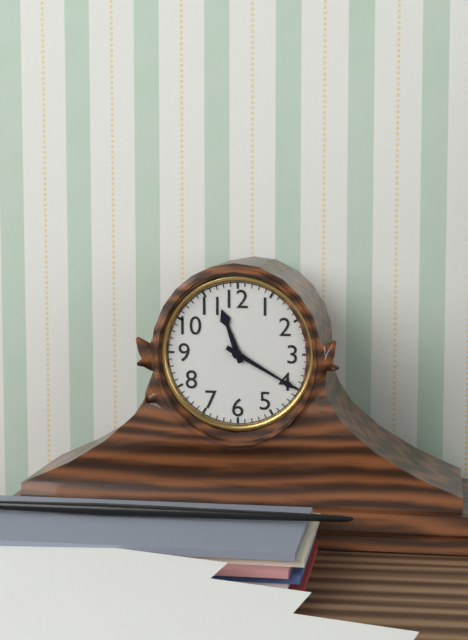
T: 11 h 20 min
